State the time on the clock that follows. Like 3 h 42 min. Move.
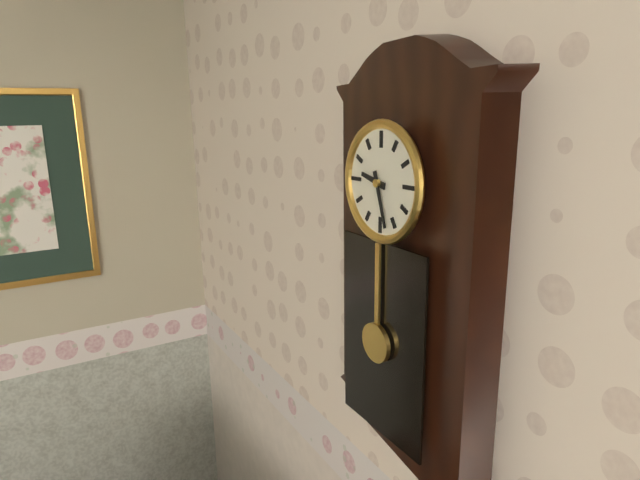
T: 9 h 27 min
